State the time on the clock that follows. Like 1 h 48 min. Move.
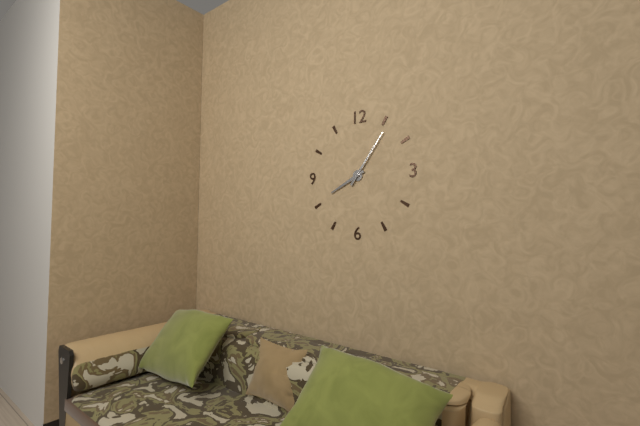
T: 8 h 06 min
